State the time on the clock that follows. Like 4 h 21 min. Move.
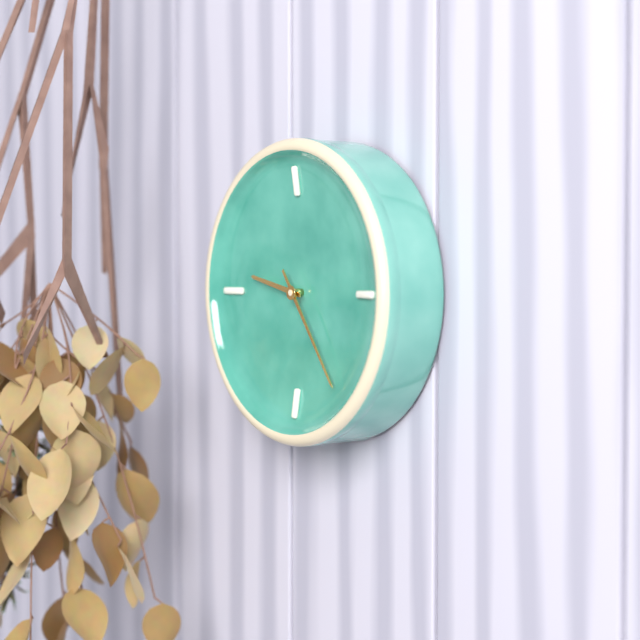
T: 9 h 24 min
